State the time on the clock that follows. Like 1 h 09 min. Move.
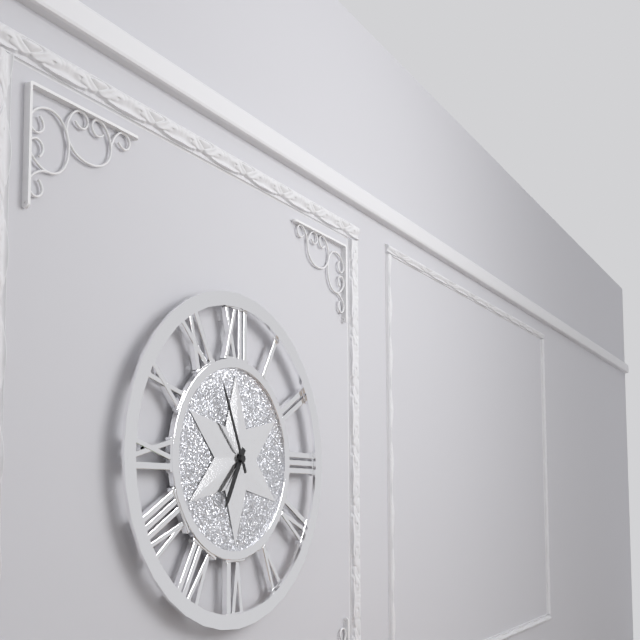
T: 6 h 56 min
